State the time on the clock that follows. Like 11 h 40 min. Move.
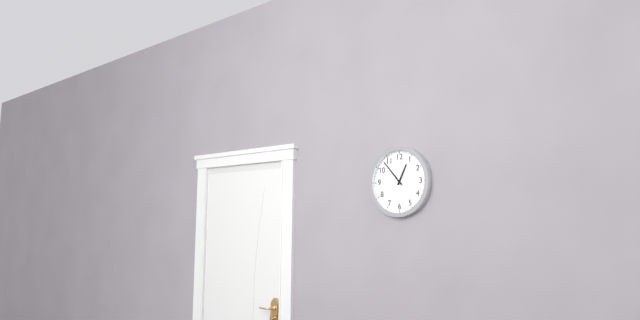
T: 12 h 53 min
